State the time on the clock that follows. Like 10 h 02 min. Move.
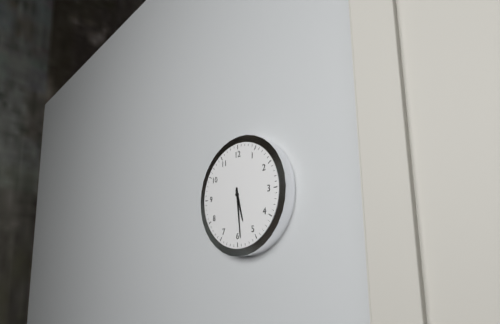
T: 5 h 29 min
